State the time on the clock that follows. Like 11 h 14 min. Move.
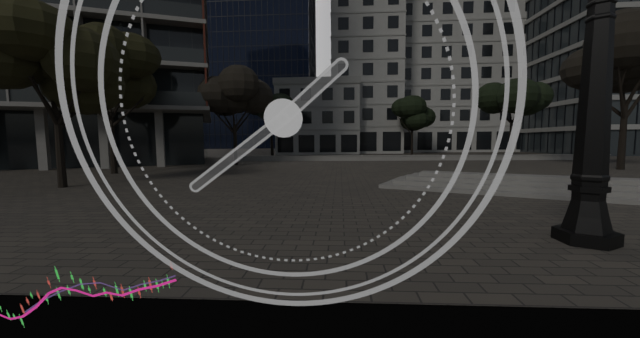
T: 1 h 39 min
